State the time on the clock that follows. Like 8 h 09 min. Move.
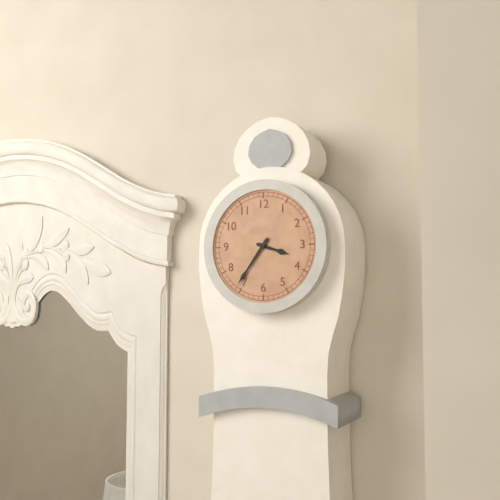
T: 3 h 36 min
